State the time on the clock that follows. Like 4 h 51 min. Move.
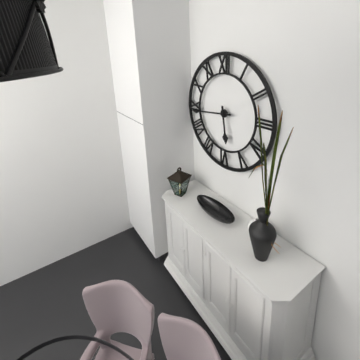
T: 5 h 44 min
